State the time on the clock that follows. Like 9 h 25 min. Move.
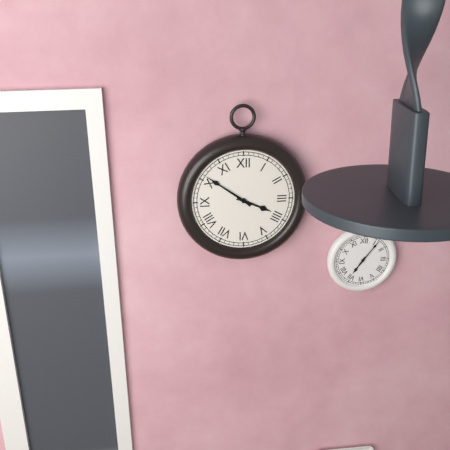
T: 3 h 51 min
